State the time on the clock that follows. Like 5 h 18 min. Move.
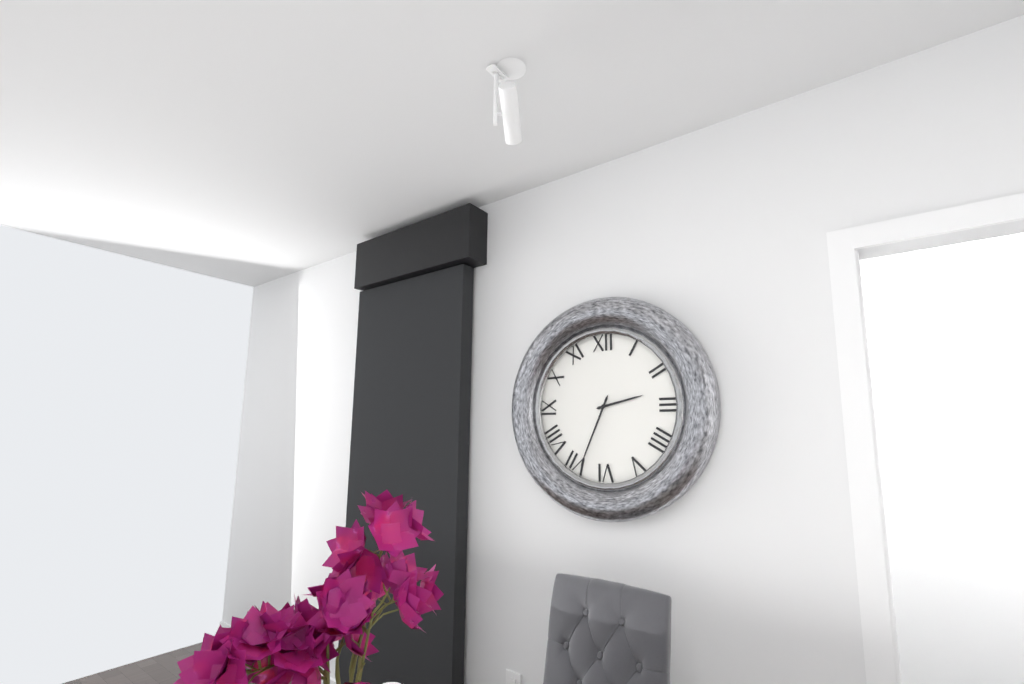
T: 2 h 34 min
